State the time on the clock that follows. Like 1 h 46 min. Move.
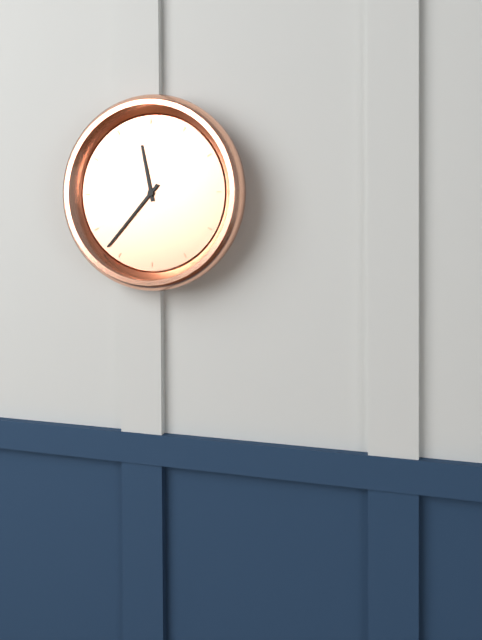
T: 11 h 37 min
